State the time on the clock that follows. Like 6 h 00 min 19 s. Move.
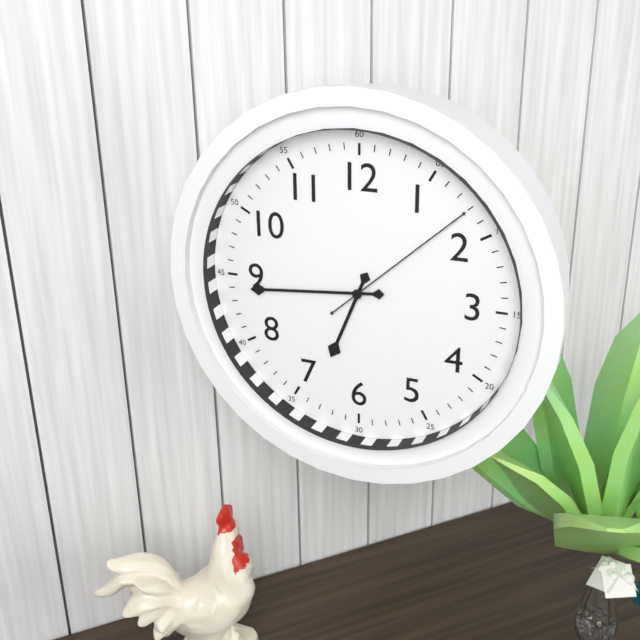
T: 6 h 44 min 08 s
